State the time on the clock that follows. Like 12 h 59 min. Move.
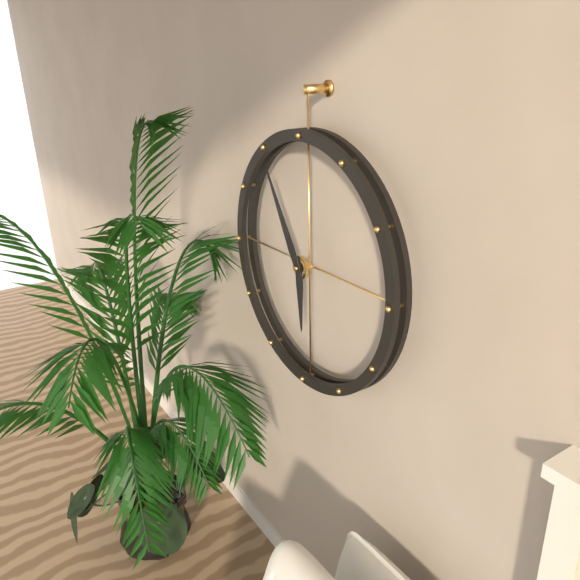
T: 5 h 55 min
